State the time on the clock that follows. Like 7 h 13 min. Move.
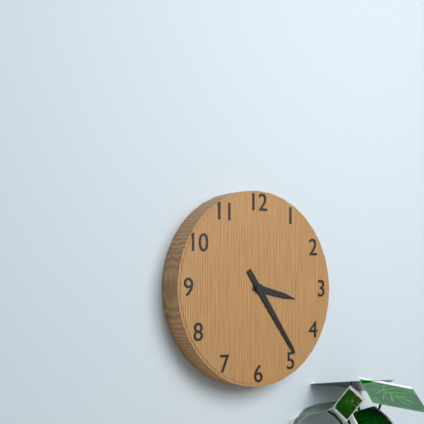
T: 3 h 24 min
